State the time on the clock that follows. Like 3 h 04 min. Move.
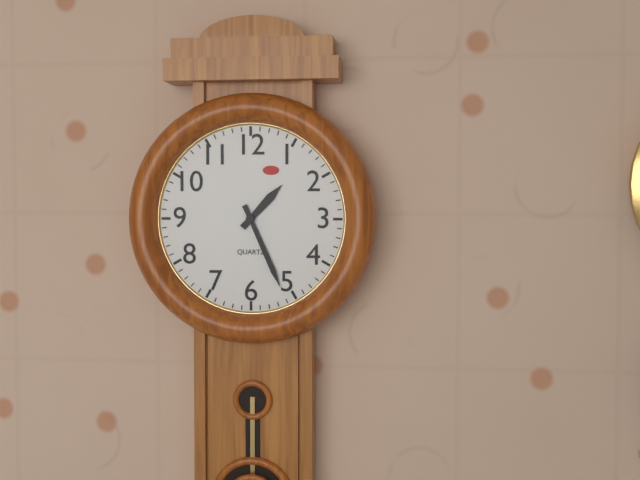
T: 1 h 26 min
